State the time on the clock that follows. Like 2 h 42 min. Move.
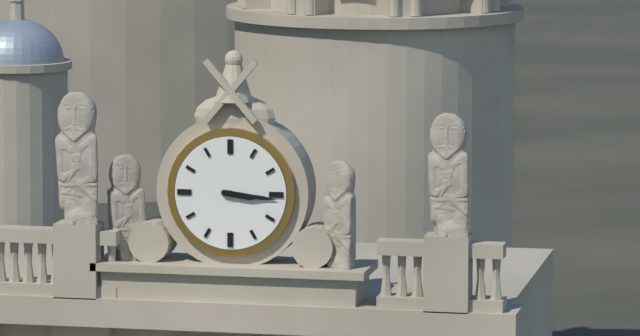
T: 3 h 16 min
